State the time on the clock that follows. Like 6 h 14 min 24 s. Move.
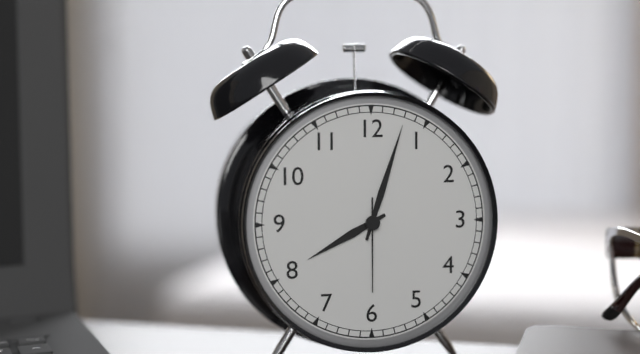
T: 8 h 03 min 30 s
